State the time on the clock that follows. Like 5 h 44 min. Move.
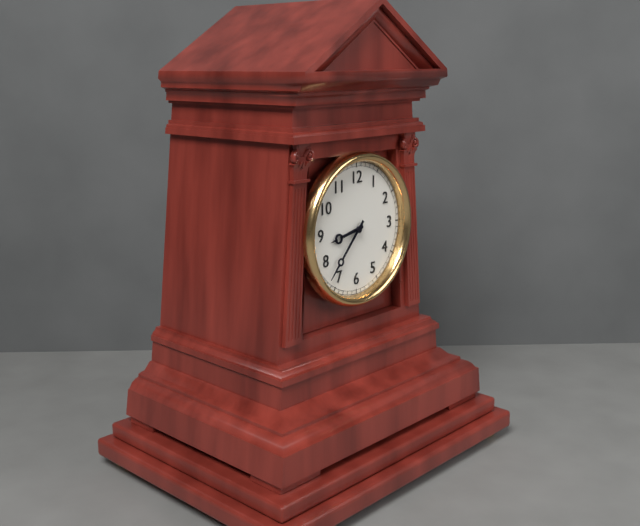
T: 8 h 37 min
